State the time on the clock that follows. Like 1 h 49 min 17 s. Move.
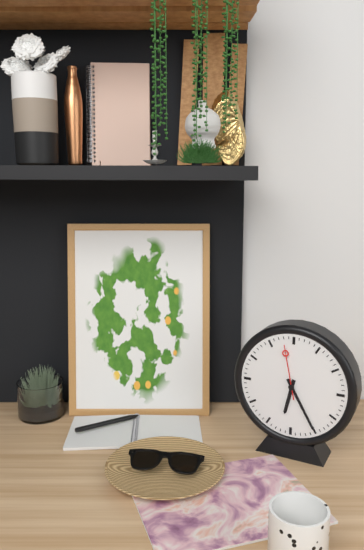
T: 6 h 25 min 58 s
